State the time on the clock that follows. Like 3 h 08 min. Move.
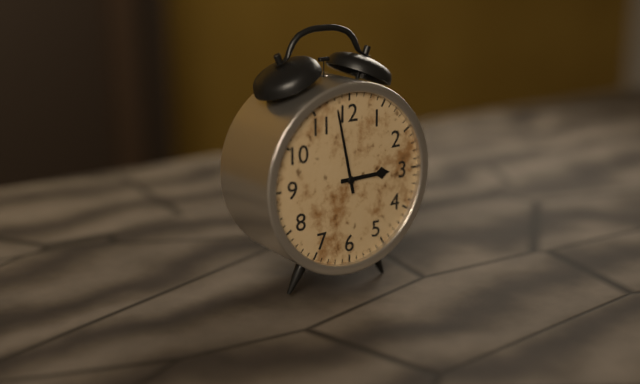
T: 2 h 58 min
